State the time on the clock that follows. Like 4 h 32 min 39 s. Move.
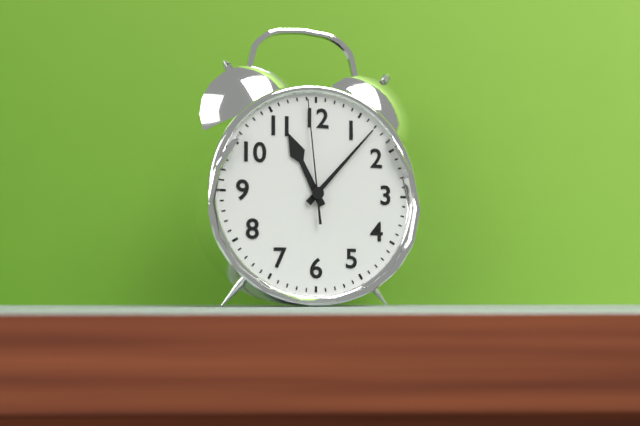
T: 11 h 07 min 59 s
